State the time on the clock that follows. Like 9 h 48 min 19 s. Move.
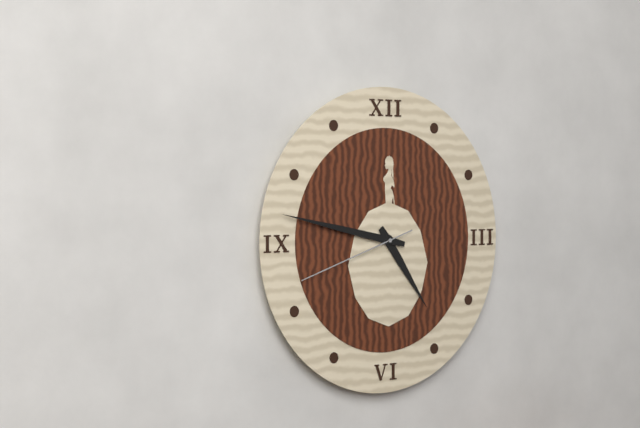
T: 4 h 47 min 42 s
